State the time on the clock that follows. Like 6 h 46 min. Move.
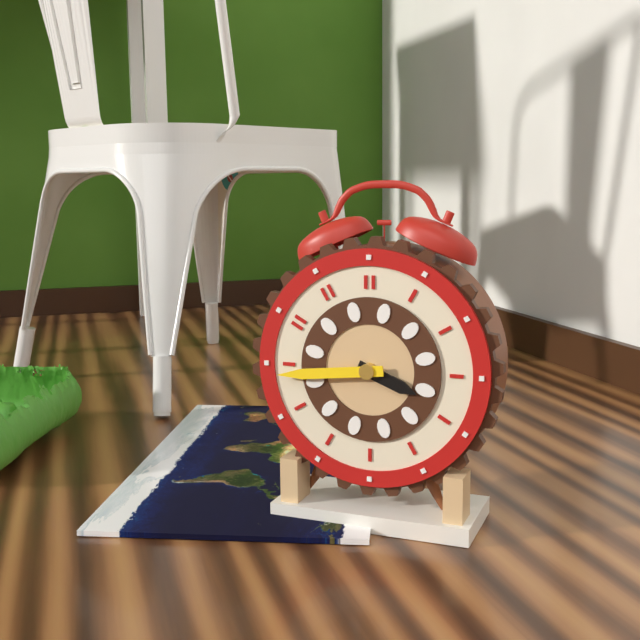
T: 3 h 44 min
